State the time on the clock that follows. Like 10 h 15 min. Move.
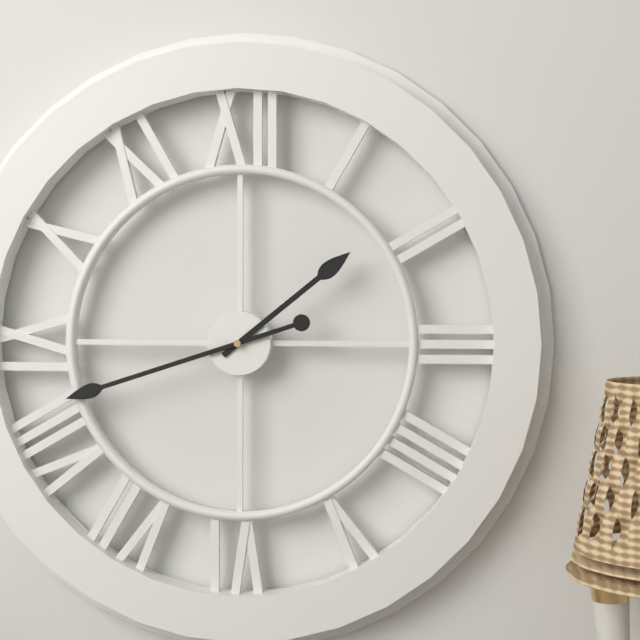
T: 1 h 42 min
